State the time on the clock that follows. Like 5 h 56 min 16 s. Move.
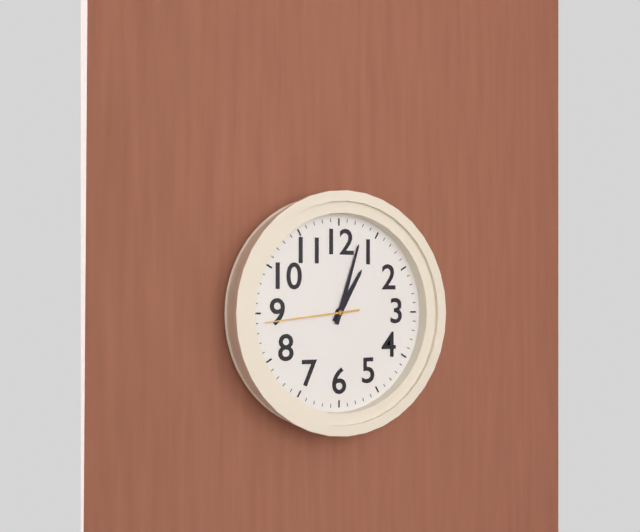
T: 1 h 03 min 44 s
